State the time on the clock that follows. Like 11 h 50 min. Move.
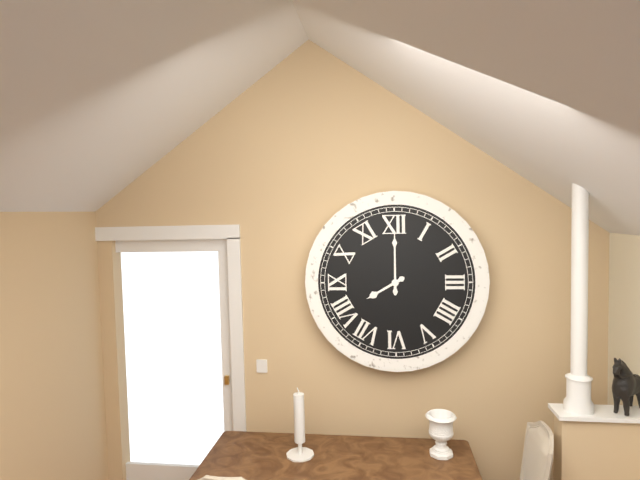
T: 8 h 00 min
